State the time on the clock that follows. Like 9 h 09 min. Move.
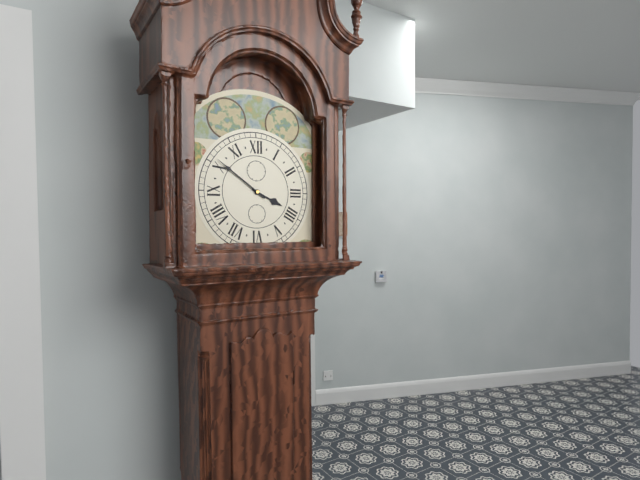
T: 3 h 51 min
